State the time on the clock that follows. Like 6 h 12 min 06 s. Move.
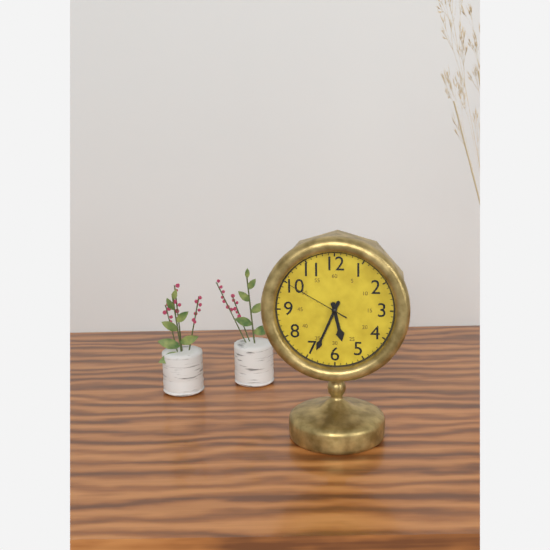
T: 5 h 34 min 50 s
